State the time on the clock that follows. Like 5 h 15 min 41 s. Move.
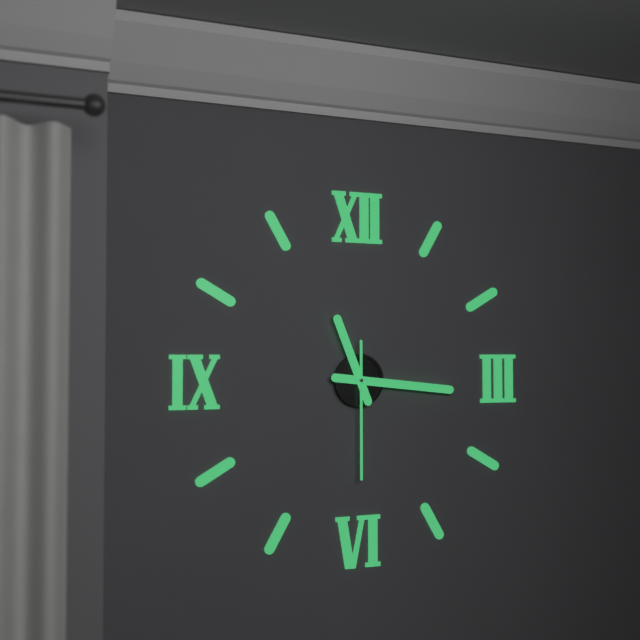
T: 11 h 16 min 30 s
